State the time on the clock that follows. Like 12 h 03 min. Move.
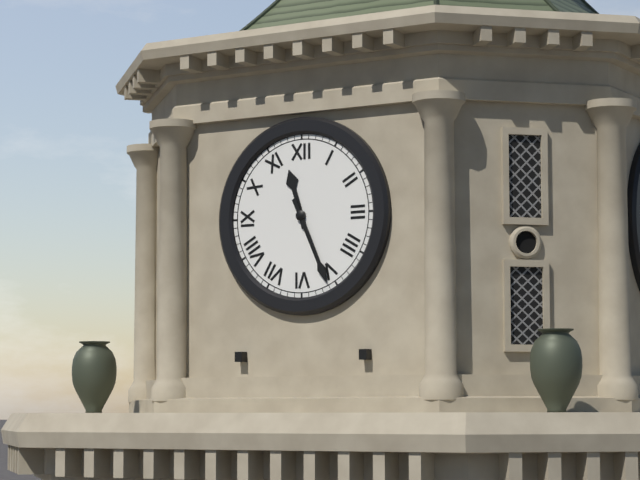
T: 11 h 26 min
